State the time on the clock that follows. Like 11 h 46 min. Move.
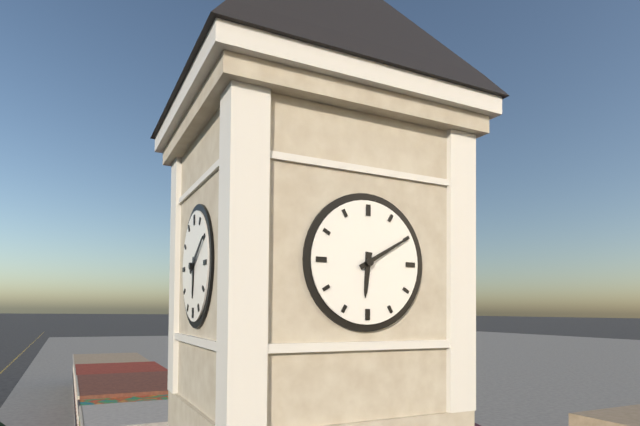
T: 6 h 10 min
